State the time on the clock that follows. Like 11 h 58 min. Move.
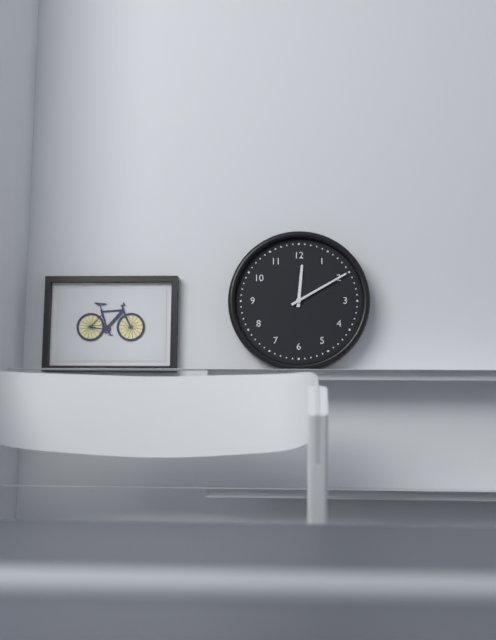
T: 12 h 10 min
